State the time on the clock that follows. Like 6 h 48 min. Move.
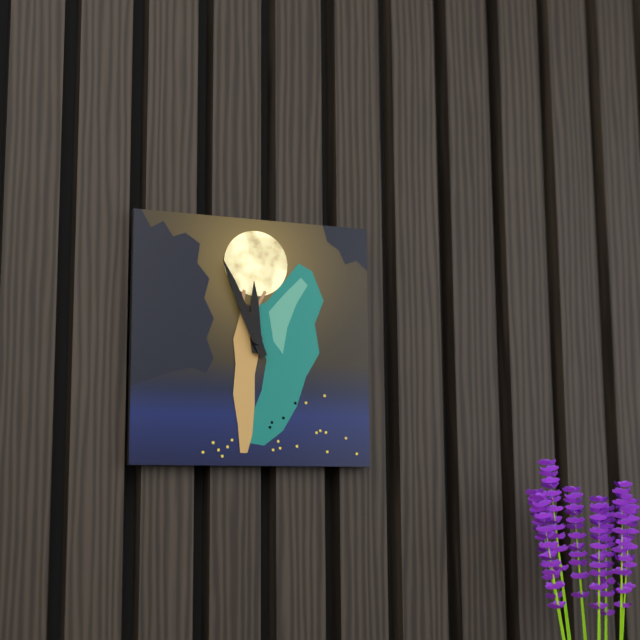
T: 11 h 56 min
